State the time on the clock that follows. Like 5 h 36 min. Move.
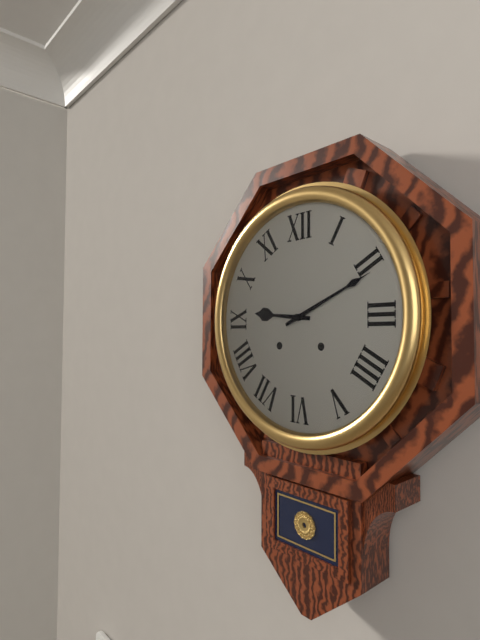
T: 9 h 11 min
